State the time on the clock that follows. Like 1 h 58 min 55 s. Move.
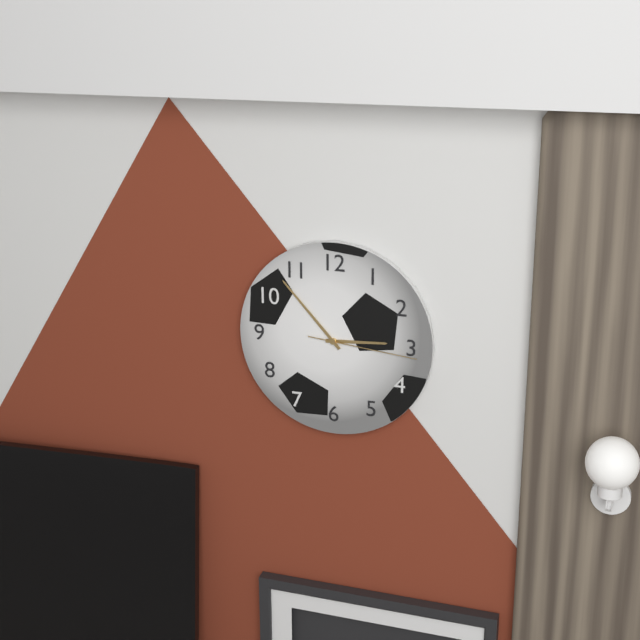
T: 2 h 53 min 16 s
